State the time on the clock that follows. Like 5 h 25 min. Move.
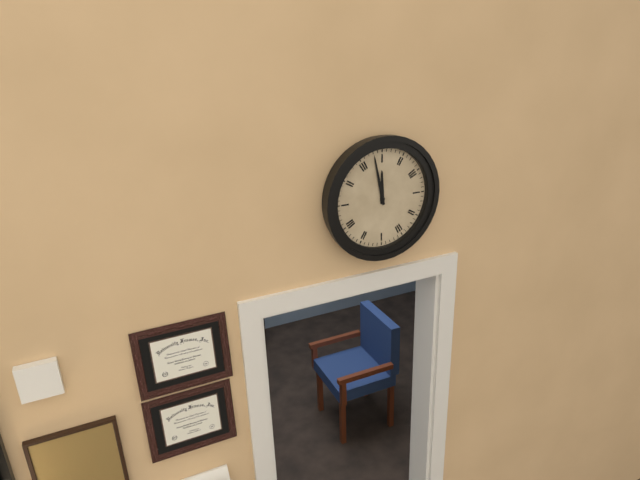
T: 11 h 58 min
